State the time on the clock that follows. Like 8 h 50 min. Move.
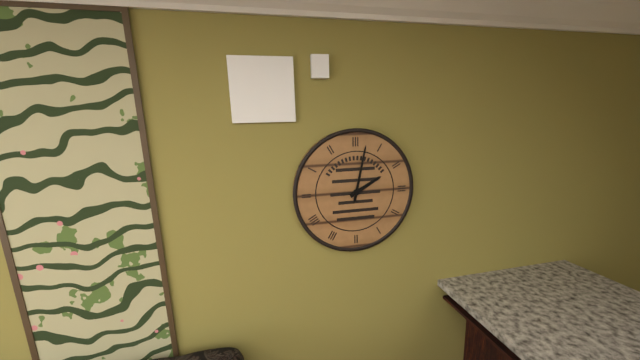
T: 2 h 02 min
